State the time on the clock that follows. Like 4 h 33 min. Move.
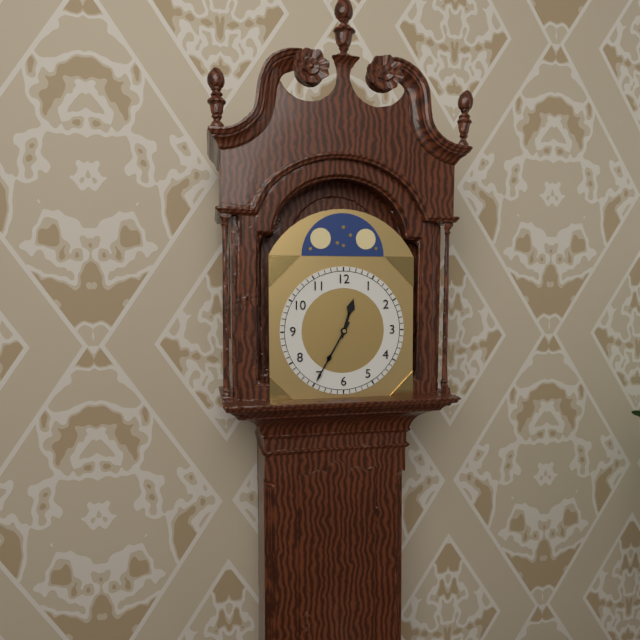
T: 12 h 35 min
